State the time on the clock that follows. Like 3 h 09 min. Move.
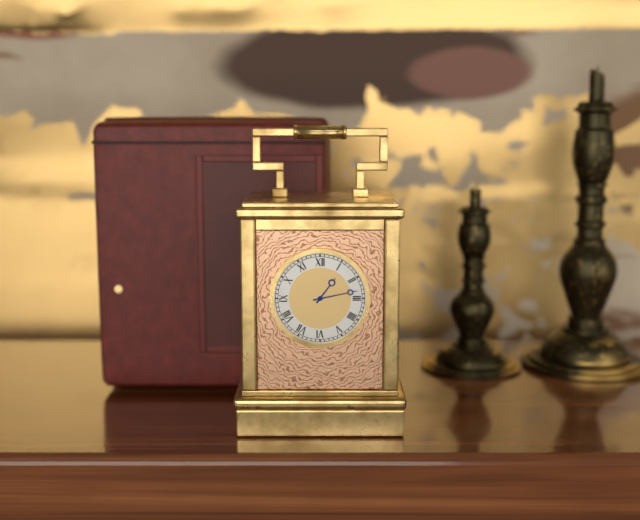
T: 1 h 13 min
